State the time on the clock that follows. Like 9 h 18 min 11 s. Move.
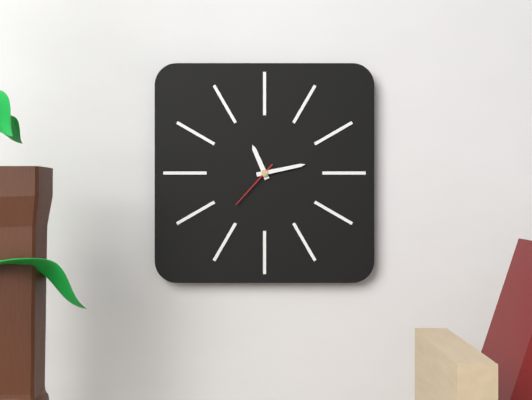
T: 11 h 13 min 37 s
